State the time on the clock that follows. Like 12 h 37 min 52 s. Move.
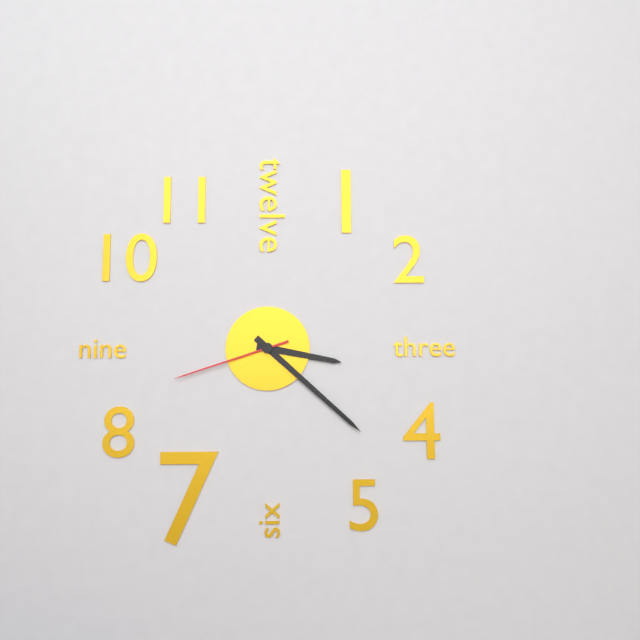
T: 3 h 22 min 42 s
